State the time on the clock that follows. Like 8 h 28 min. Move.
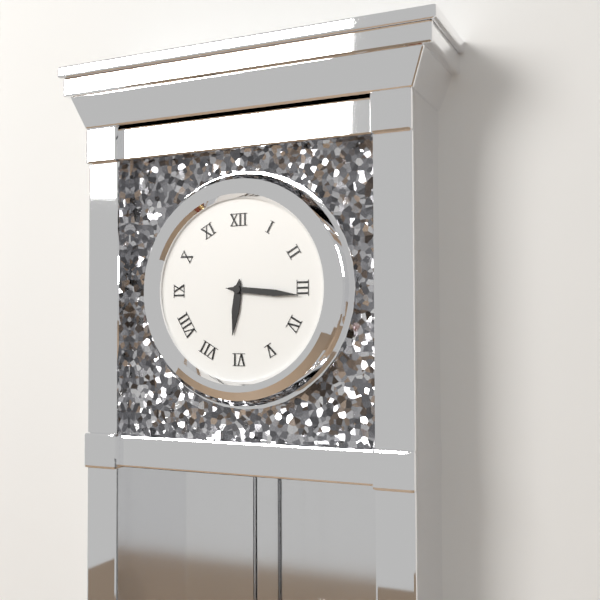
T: 6 h 16 min
